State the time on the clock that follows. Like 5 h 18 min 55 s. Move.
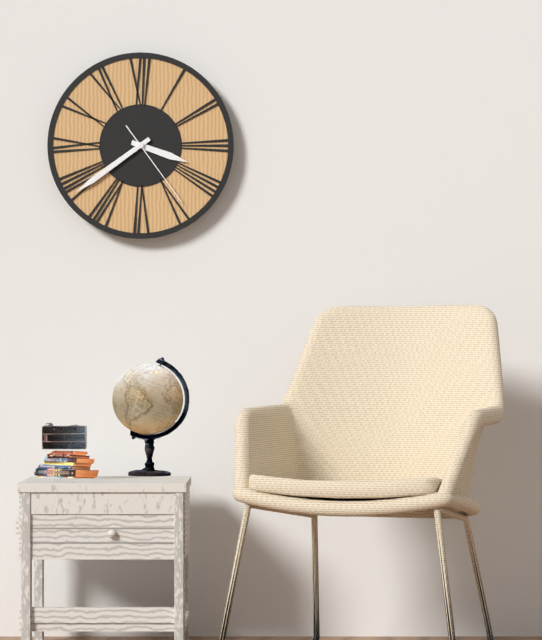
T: 3 h 39 min 24 s
